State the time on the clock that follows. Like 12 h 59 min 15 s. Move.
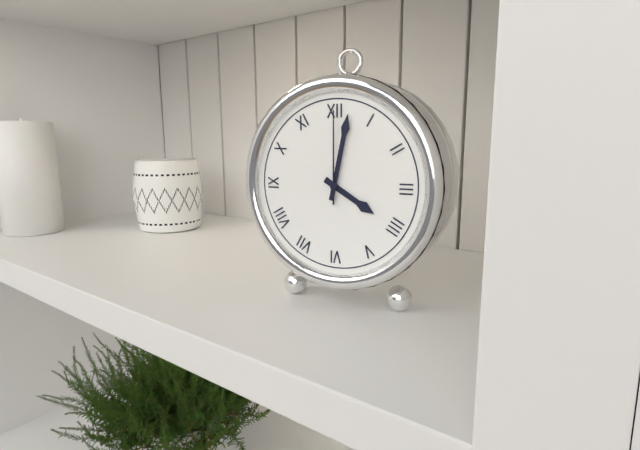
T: 4 h 02 min 00 s
